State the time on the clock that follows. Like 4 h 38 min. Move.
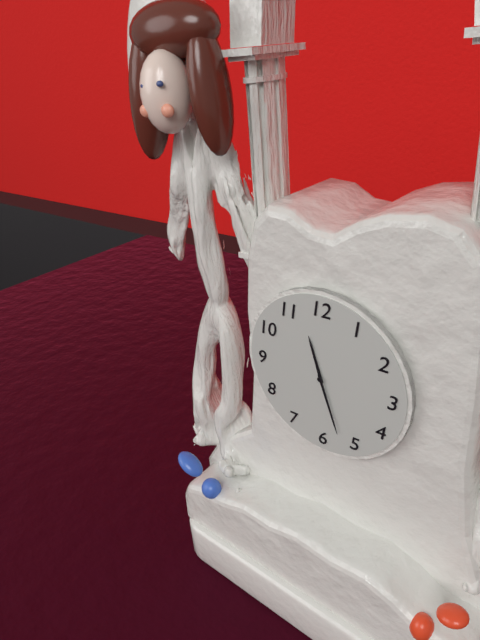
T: 11 h 27 min
